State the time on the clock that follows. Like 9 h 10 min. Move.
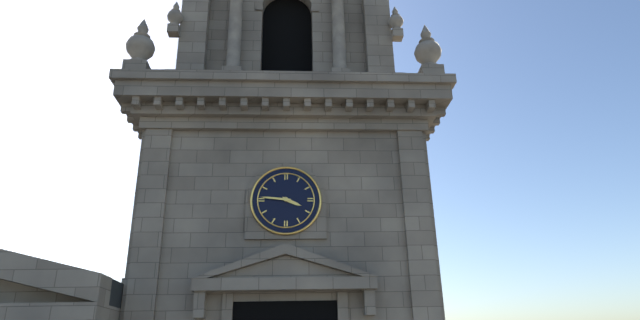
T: 3 h 46 min
